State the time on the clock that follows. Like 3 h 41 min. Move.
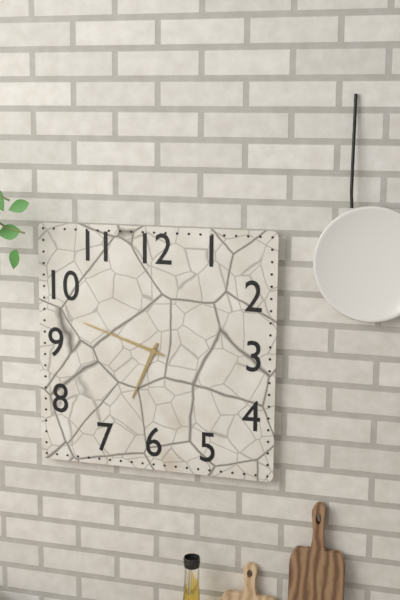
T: 6 h 48 min
